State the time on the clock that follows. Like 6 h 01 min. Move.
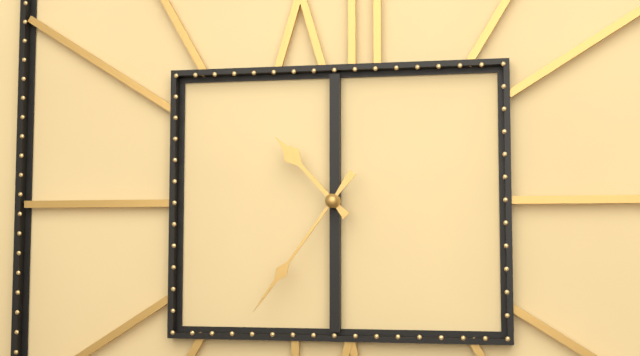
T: 10 h 36 min
